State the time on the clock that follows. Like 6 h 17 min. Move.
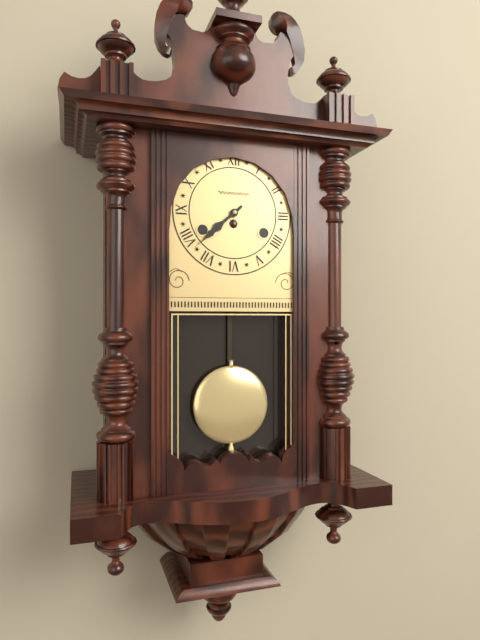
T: 7 h 38 min
